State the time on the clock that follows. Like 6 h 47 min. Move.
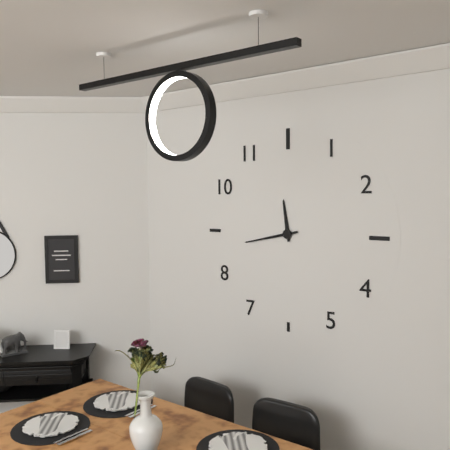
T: 11 h 43 min
